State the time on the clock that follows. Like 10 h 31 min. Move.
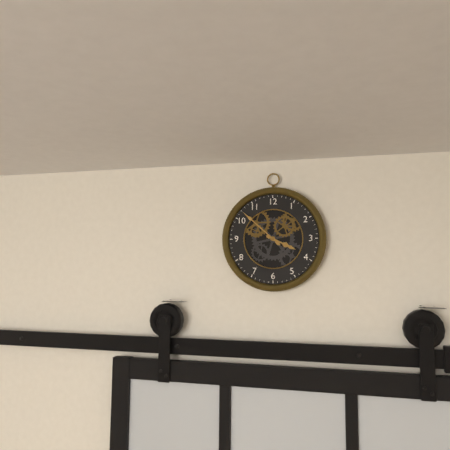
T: 3 h 52 min
